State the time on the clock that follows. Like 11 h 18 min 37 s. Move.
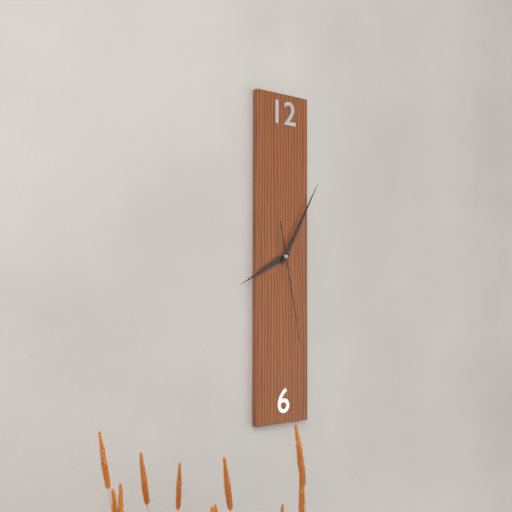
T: 8 h 05 min 28 s
